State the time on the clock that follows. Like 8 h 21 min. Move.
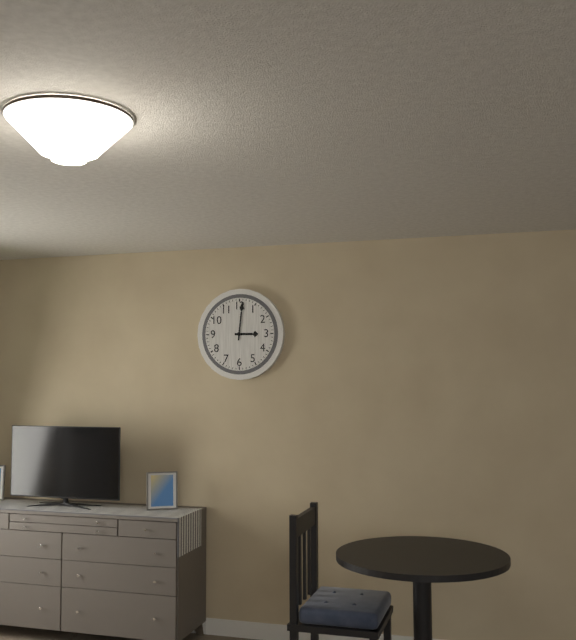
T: 3 h 01 min
